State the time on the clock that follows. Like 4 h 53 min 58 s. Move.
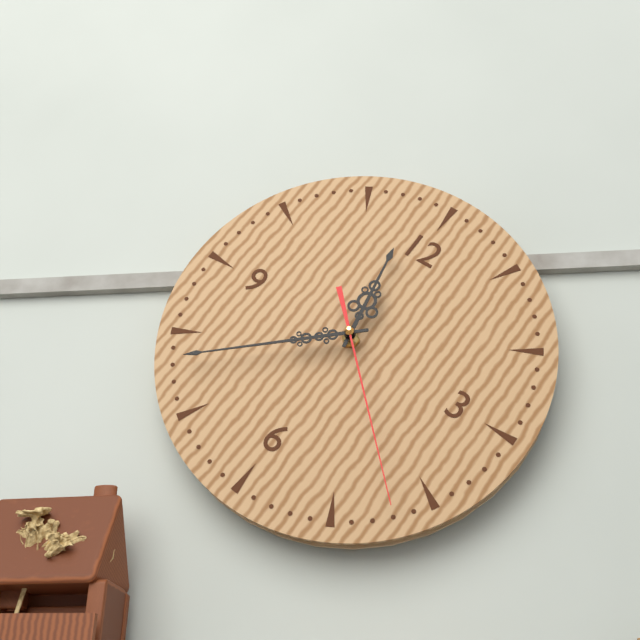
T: 11 h 38 min 22 s
